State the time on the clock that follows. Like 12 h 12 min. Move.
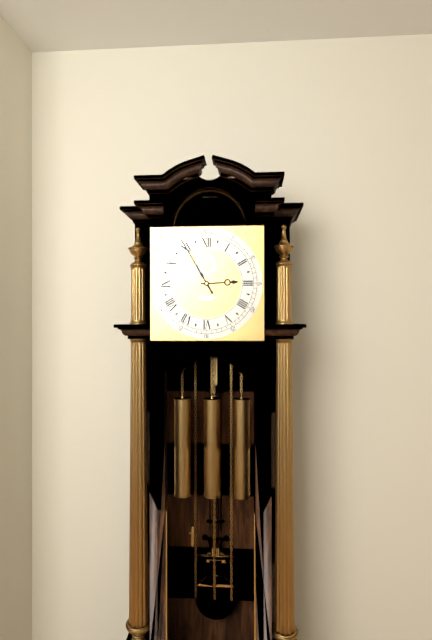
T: 2 h 55 min
